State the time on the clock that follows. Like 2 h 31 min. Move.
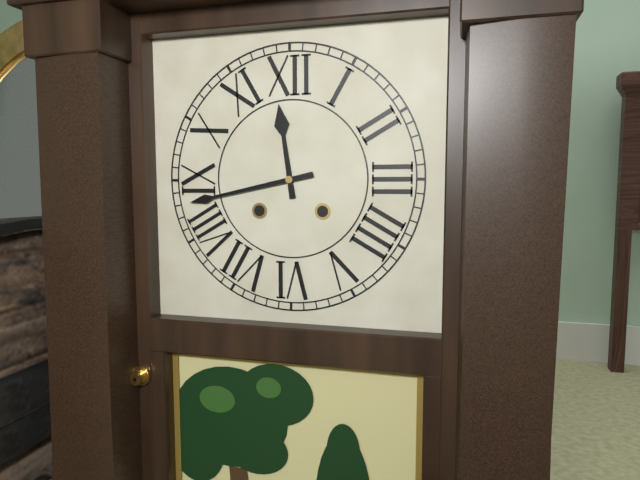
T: 11 h 43 min
